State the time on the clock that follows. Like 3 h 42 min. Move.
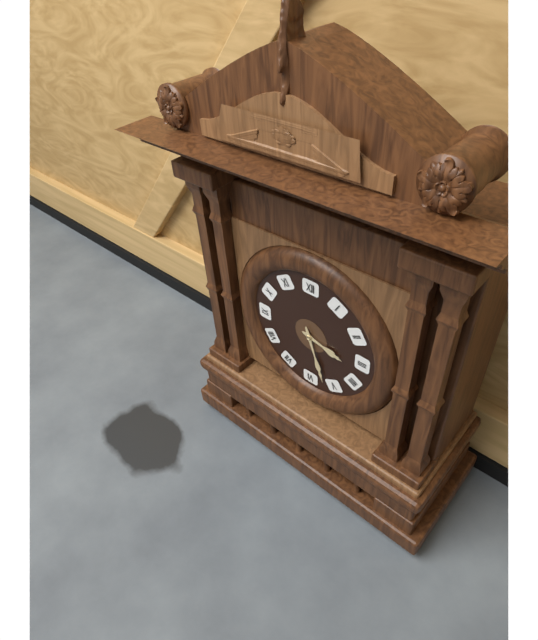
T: 3 h 27 min
